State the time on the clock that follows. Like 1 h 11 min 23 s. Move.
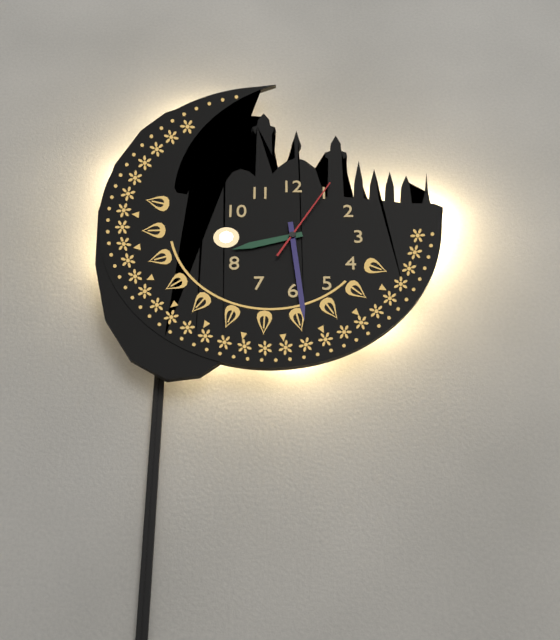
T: 8 h 29 min 05 s
